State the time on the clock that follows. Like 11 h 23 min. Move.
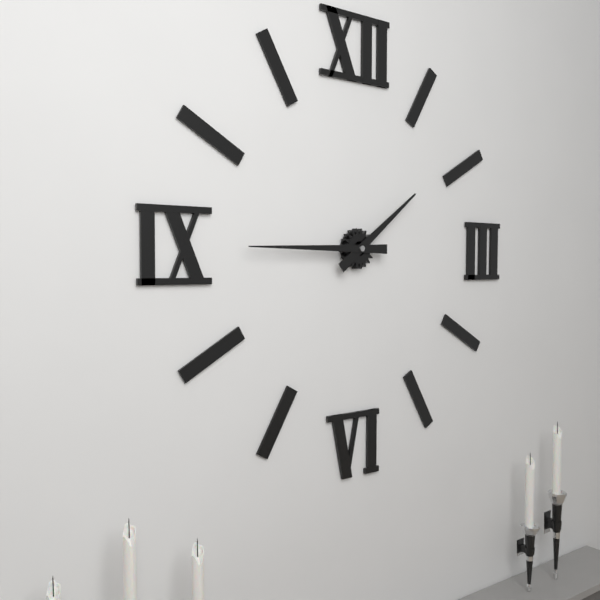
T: 1 h 45 min
